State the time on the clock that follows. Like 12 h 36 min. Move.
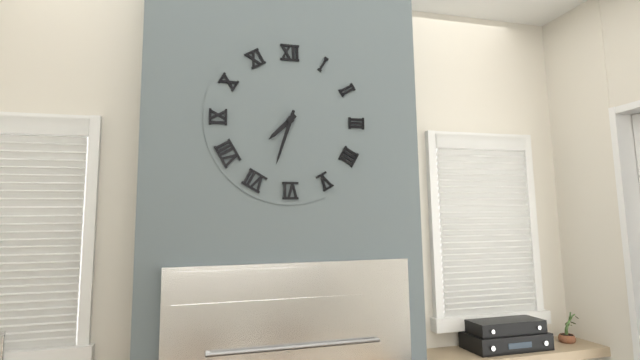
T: 7 h 33 min
